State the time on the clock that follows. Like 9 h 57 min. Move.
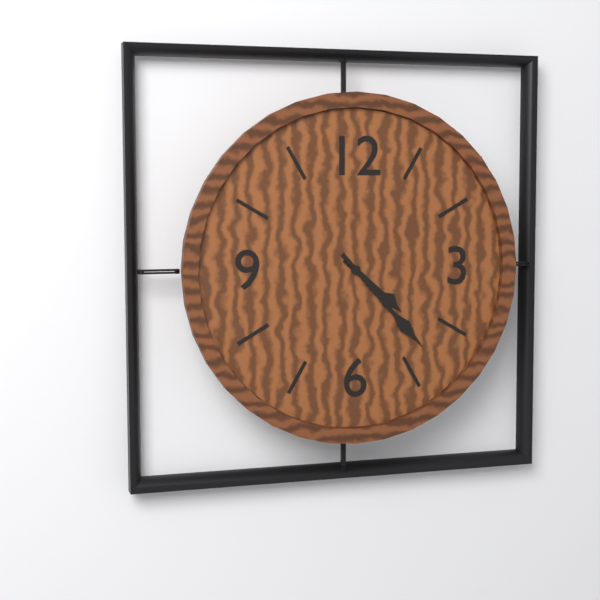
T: 4 h 23 min
